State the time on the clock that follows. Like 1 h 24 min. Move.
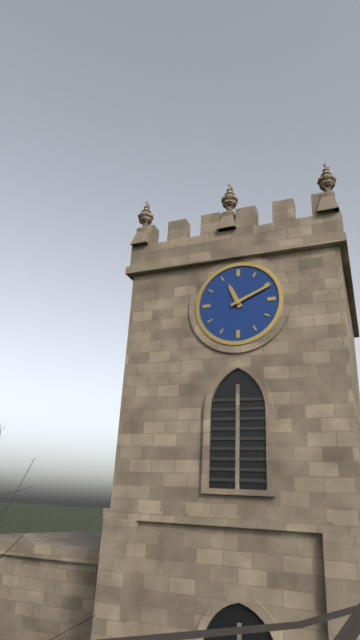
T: 11 h 11 min
